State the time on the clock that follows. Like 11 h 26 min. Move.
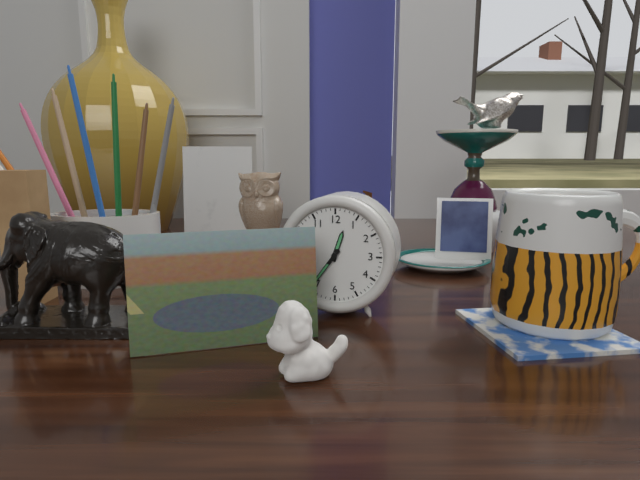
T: 12 h 36 min
